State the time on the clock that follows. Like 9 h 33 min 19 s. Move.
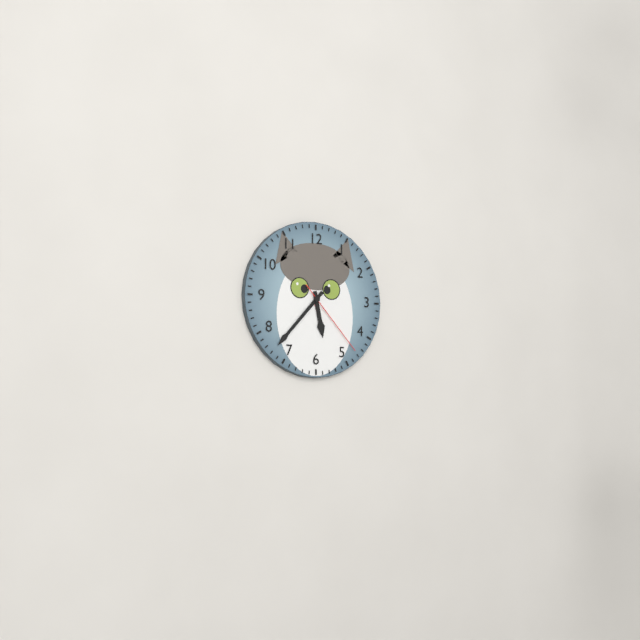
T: 5 h 37 min 23 s
